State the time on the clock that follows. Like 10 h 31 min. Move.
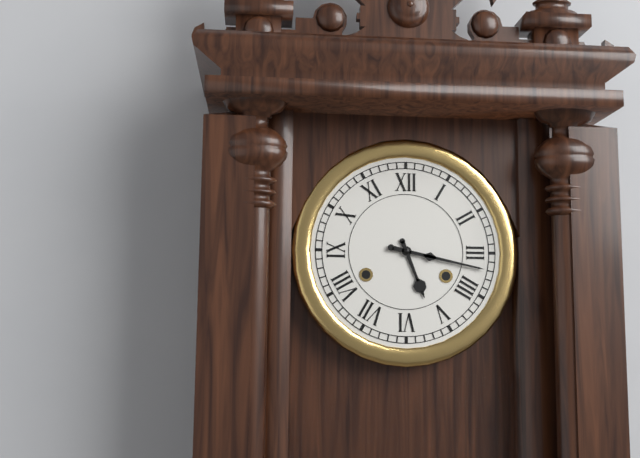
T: 5 h 17 min
